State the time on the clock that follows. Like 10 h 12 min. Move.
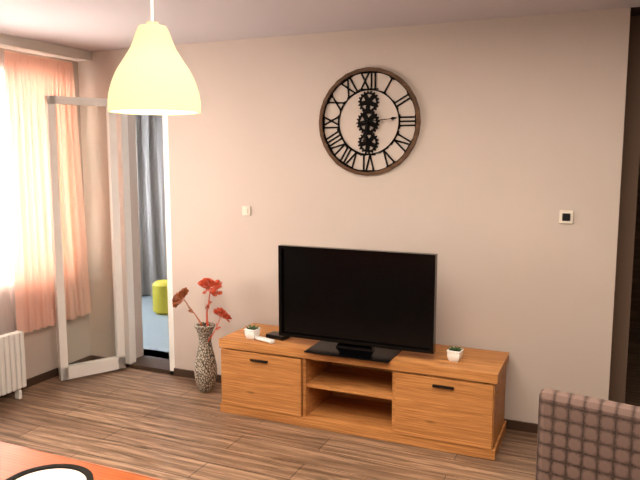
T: 6 h 14 min
